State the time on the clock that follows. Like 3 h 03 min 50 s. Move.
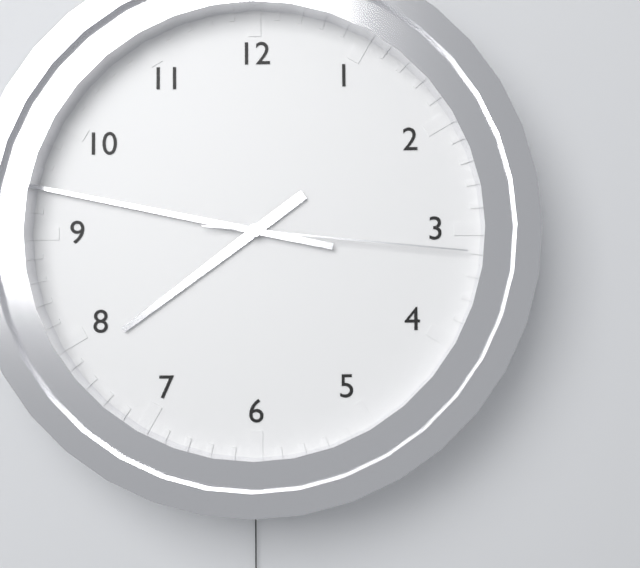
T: 7 h 47 min 16 s
